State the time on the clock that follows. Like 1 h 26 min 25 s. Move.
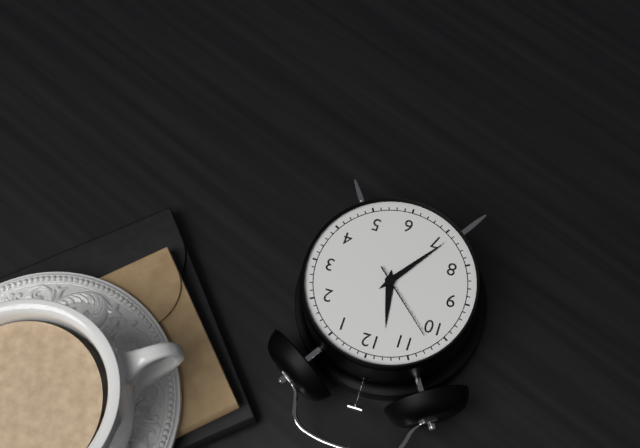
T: 11 h 36 min 52 s
